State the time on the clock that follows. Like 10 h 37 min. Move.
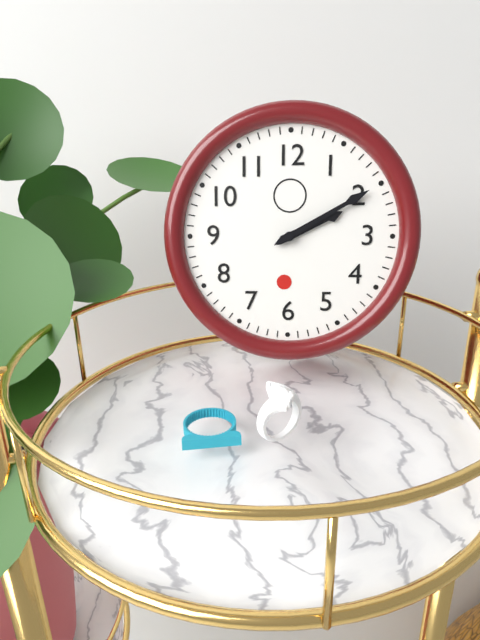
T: 2 h 10 min
